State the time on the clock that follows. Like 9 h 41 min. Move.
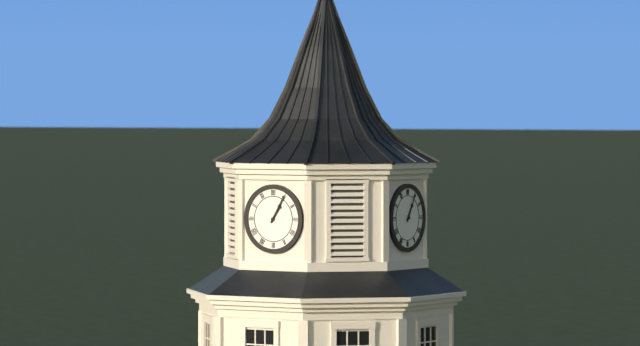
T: 1 h 05 min
